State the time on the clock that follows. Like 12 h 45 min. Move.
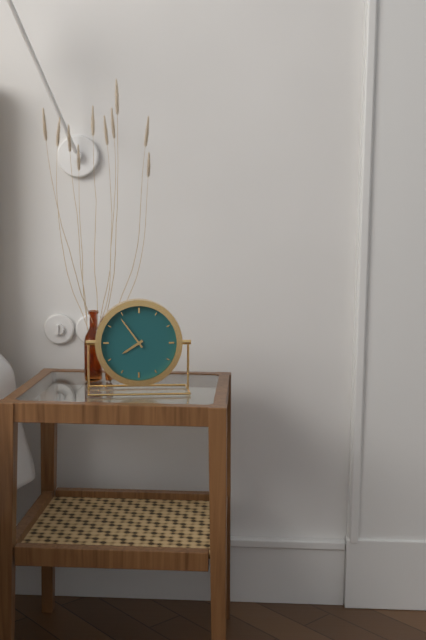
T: 7 h 54 min
